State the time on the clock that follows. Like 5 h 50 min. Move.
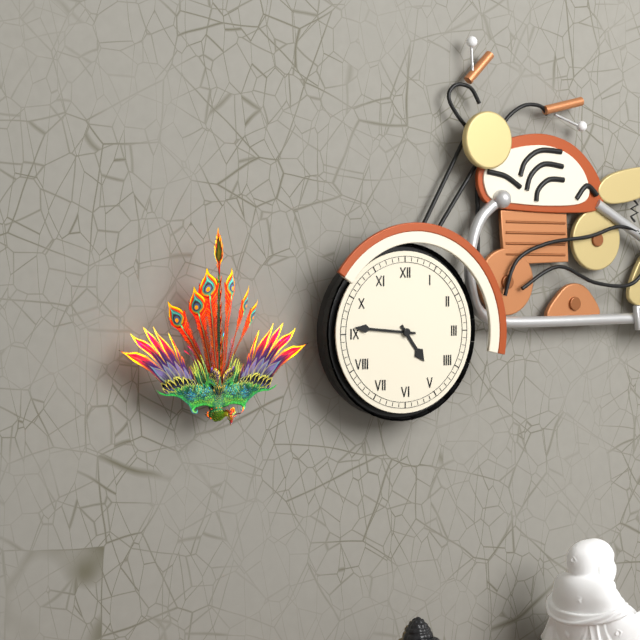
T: 4 h 46 min
